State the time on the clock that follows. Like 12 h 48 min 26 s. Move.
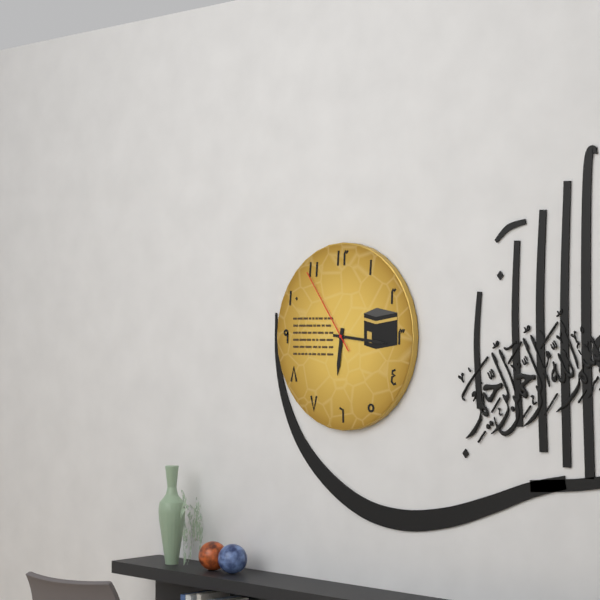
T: 6 h 16 min 54 s
